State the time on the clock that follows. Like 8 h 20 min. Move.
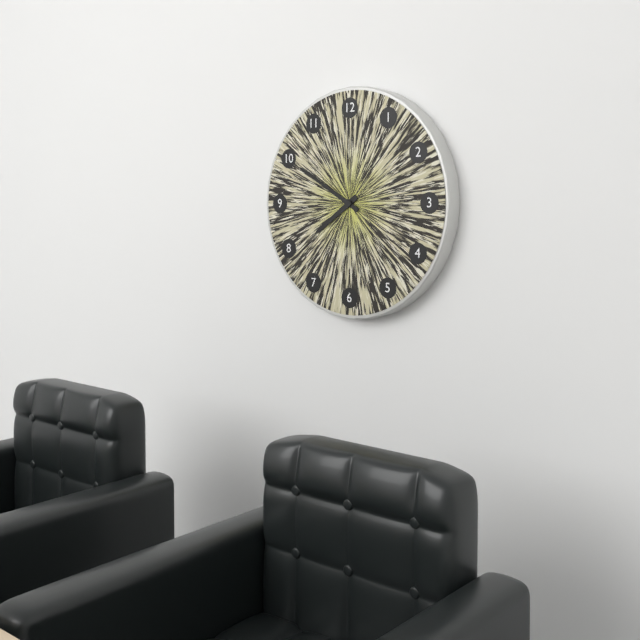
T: 7 h 50 min
